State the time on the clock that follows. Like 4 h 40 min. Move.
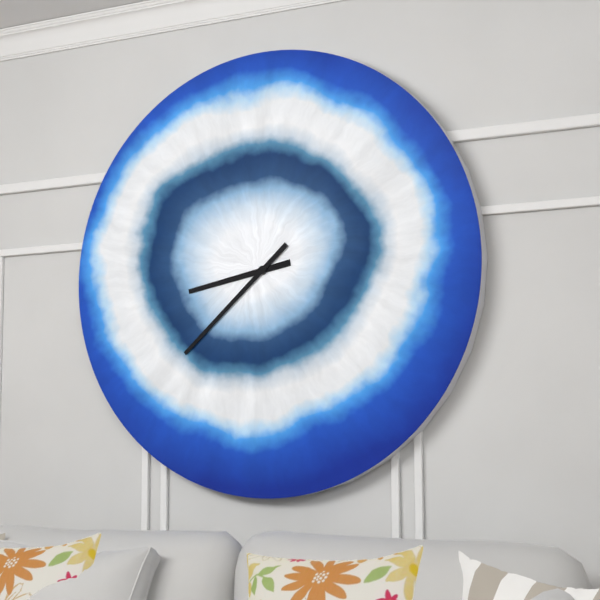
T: 8 h 38 min
